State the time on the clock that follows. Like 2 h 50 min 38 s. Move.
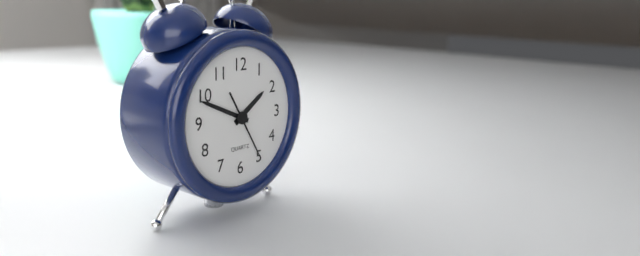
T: 1 h 49 min 25 s
